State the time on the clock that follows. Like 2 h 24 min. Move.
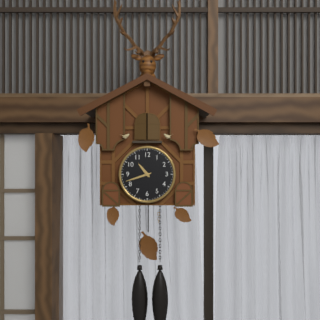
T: 10 h 42 min
